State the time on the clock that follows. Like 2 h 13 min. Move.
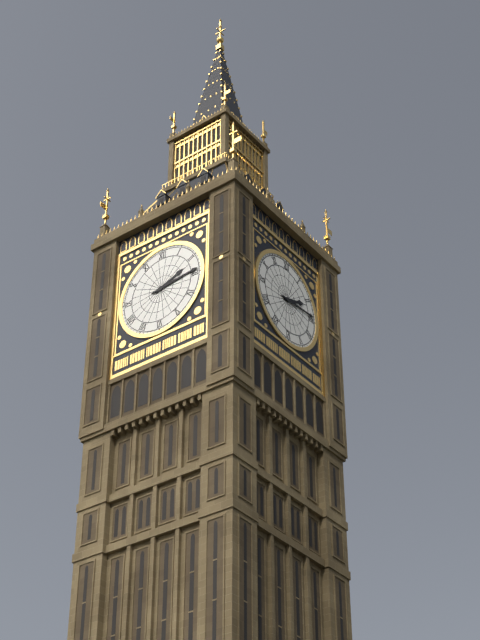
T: 2 h 14 min
